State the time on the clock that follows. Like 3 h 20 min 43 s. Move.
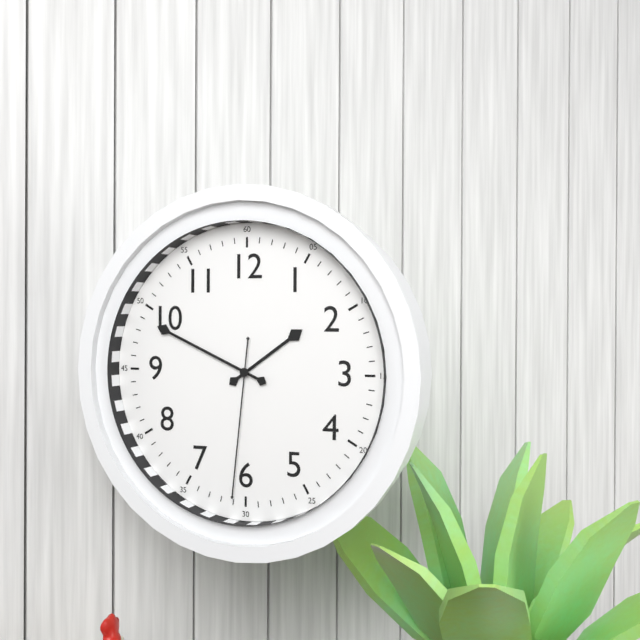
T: 1 h 49 min 31 s
